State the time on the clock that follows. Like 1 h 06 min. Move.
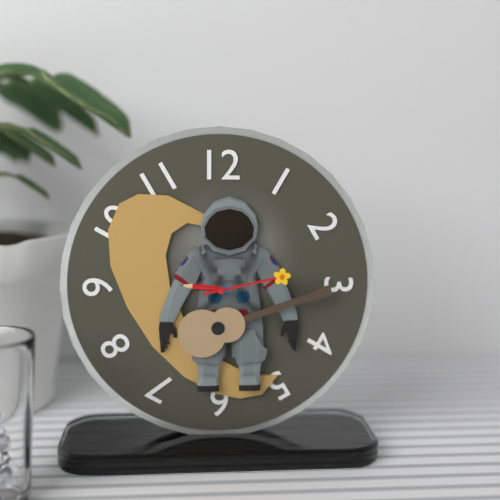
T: 9 h 13 min
